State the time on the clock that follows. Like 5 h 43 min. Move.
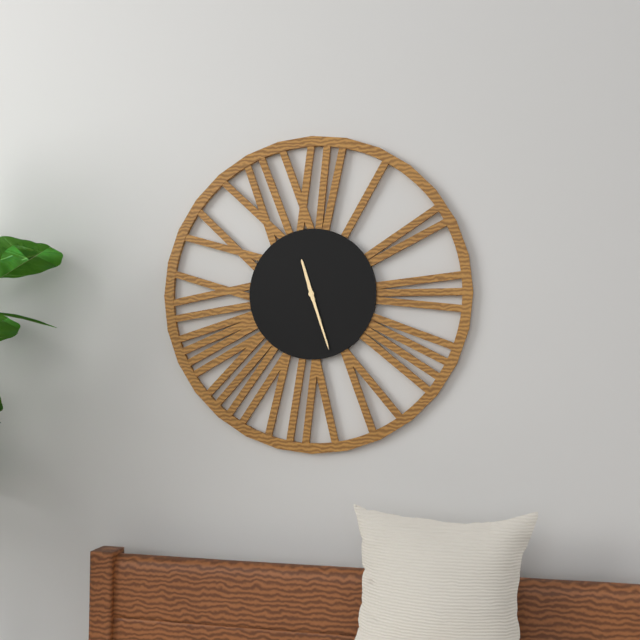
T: 11 h 27 min
